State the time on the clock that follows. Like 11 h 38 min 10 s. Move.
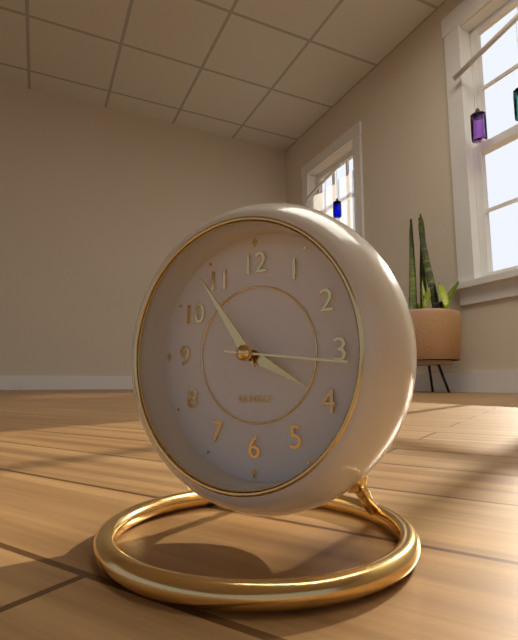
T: 3 h 54 min 16 s
